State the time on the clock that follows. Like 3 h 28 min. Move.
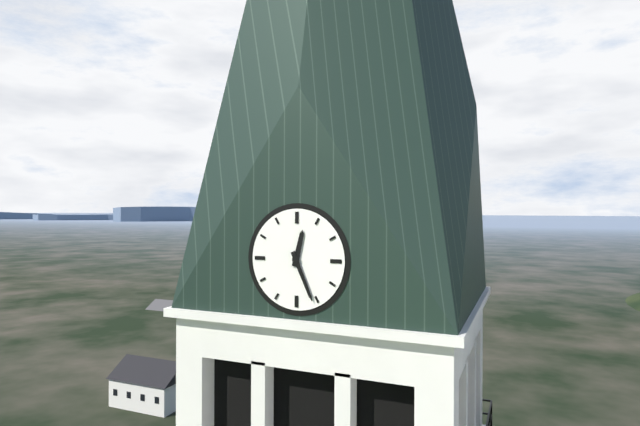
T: 12 h 26 min
